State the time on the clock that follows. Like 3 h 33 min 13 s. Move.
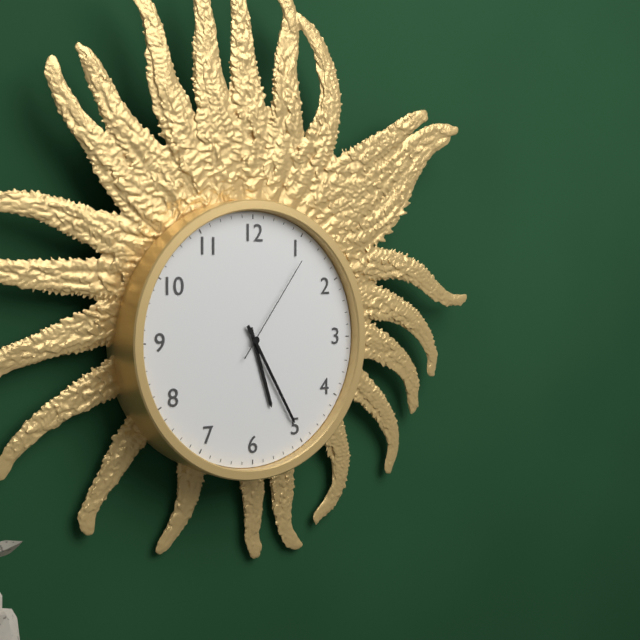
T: 5 h 25 min 06 s
